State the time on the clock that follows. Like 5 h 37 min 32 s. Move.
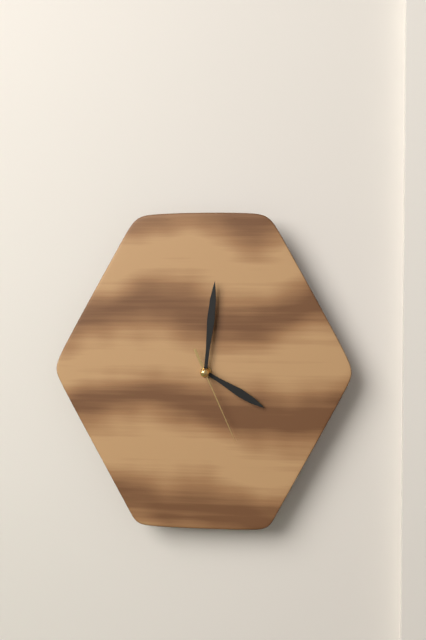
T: 4 h 01 min 26 s
